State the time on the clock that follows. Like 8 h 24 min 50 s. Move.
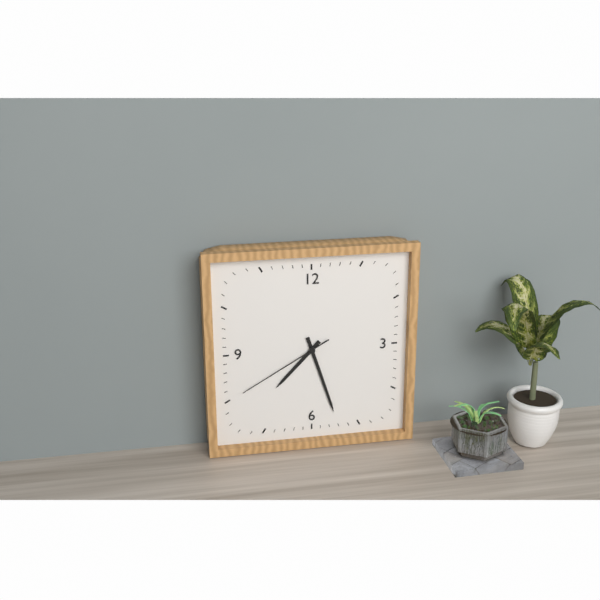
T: 7 h 27 min 40 s
